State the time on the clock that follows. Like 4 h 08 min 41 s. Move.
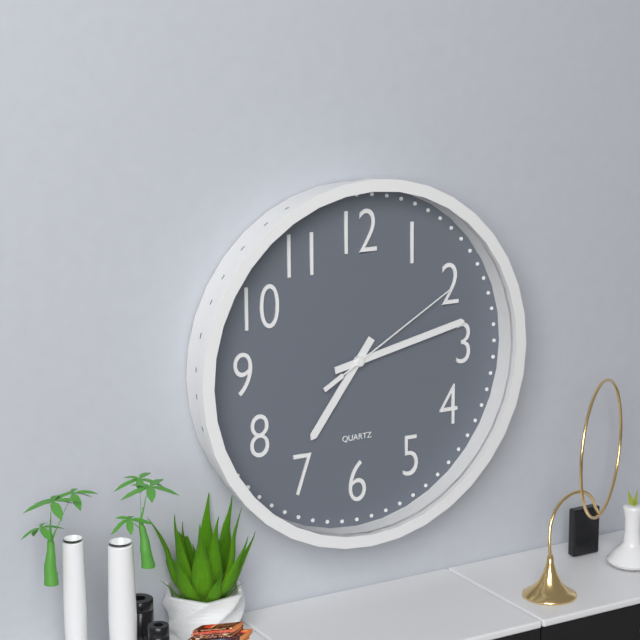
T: 7 h 13 min 10 s
